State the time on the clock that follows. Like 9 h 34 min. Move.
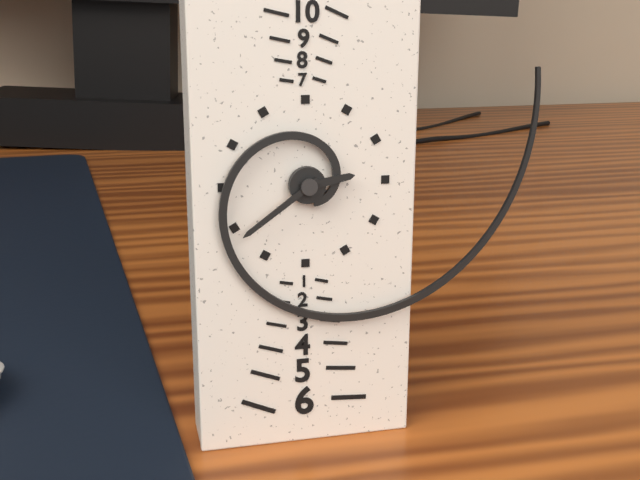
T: 2 h 39 min
